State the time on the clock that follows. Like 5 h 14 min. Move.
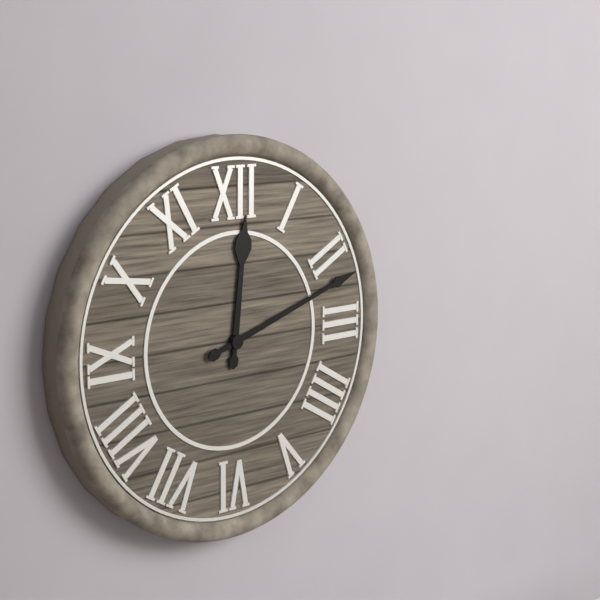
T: 12 h 12 min
